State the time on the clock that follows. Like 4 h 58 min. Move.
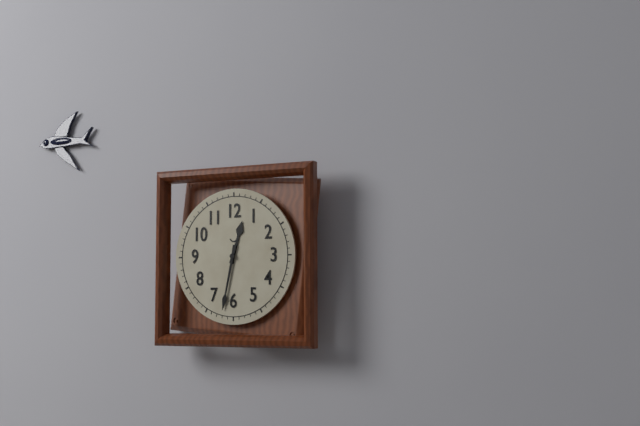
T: 12 h 32 min
